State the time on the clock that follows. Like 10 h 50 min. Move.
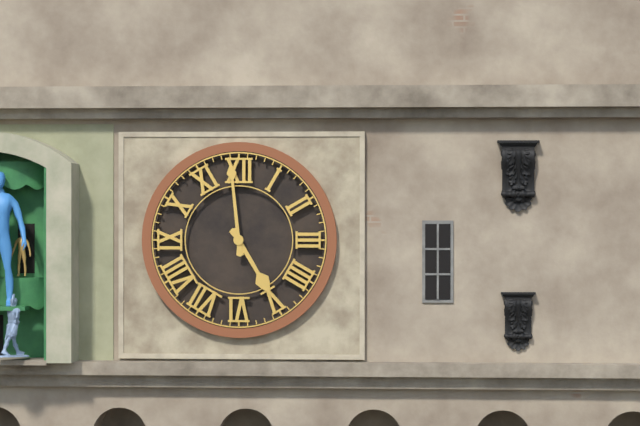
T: 4 h 59 min
